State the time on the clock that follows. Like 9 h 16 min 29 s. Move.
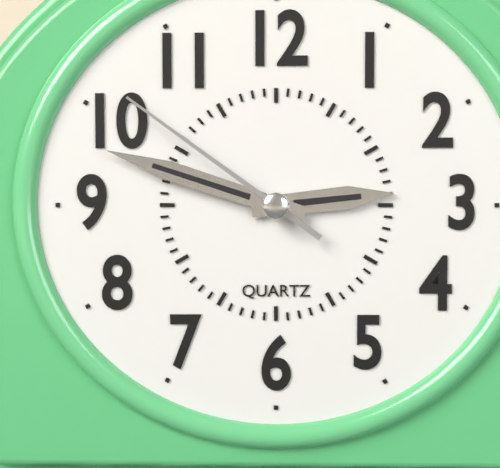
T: 2 h 48 min 51 s
